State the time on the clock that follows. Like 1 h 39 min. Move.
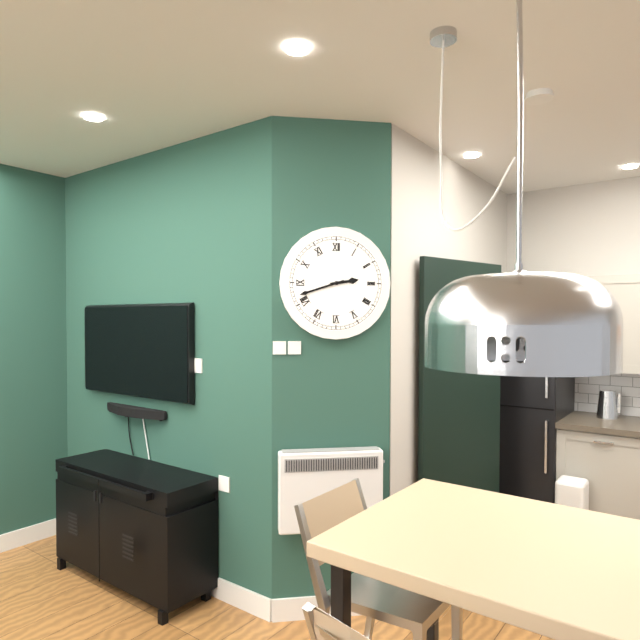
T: 2 h 42 min
